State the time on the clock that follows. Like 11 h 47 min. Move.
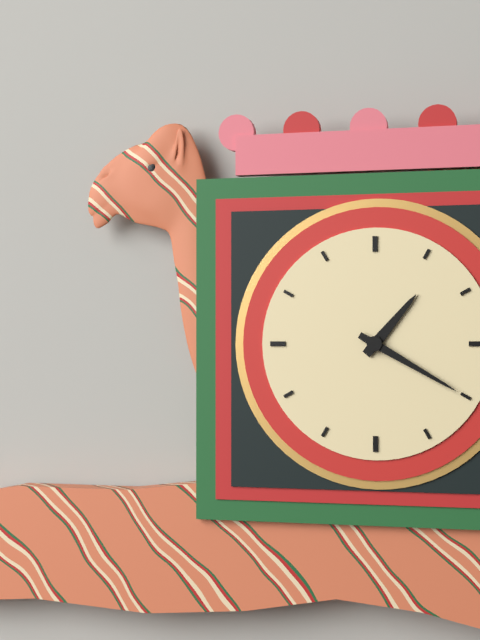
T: 1 h 20 min
